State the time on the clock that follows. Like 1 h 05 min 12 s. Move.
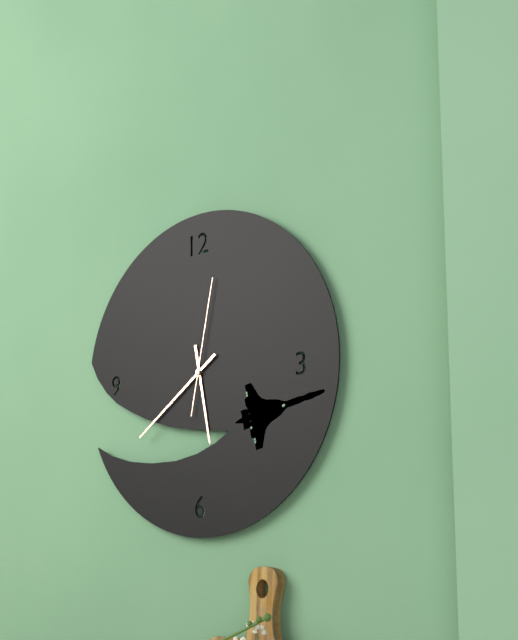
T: 5 h 39 min 02 s
